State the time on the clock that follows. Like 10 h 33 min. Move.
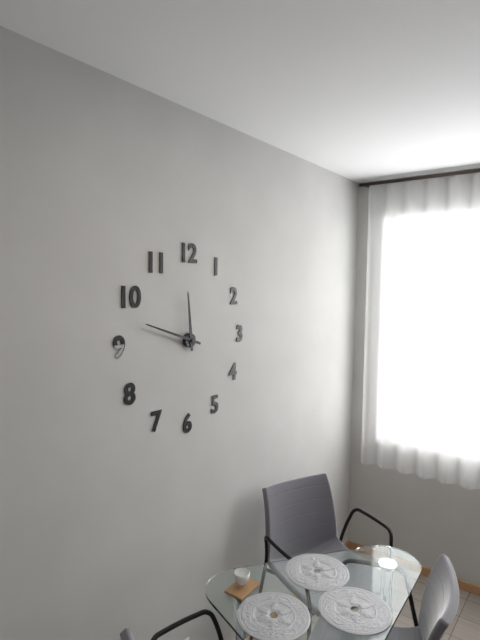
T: 11 h 48 min
